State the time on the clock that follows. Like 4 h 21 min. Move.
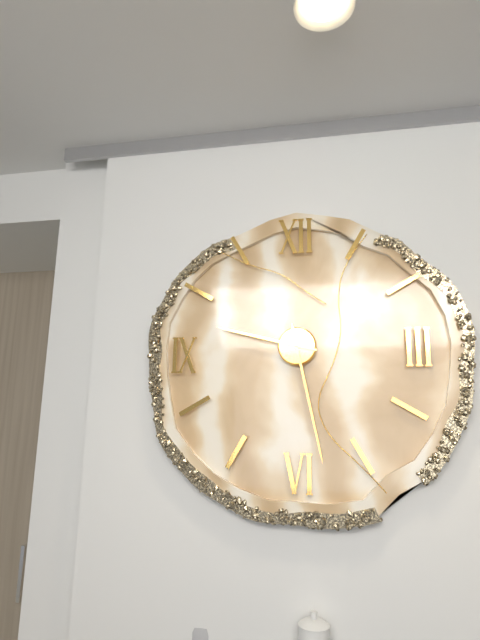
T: 9 h 28 min
